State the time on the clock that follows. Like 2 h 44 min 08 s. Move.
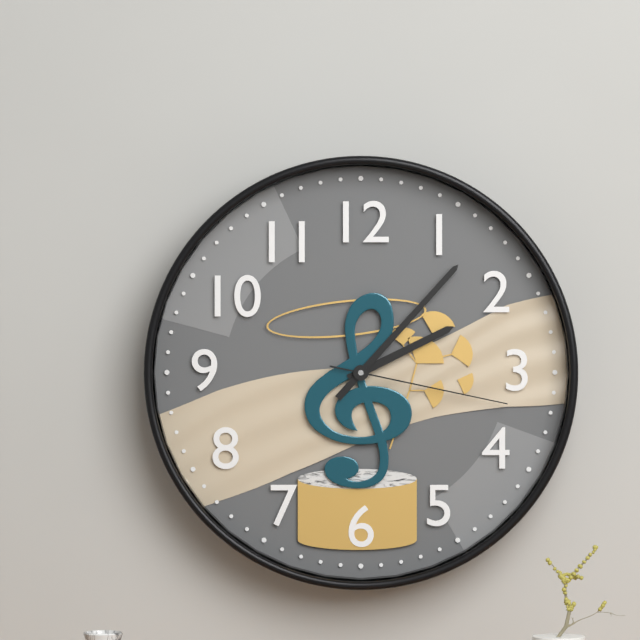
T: 2 h 07 min 17 s
